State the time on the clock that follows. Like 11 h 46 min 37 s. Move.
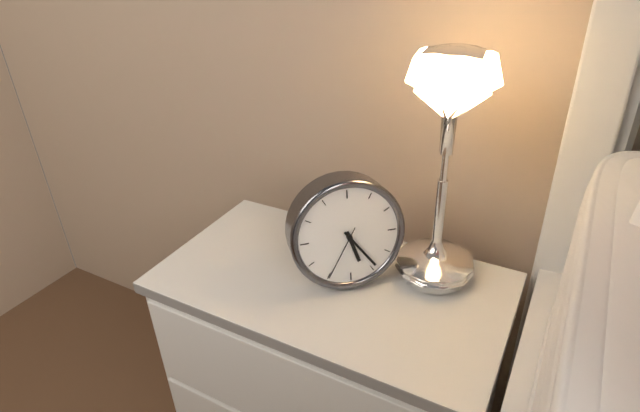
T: 5 h 24 min 35 s
